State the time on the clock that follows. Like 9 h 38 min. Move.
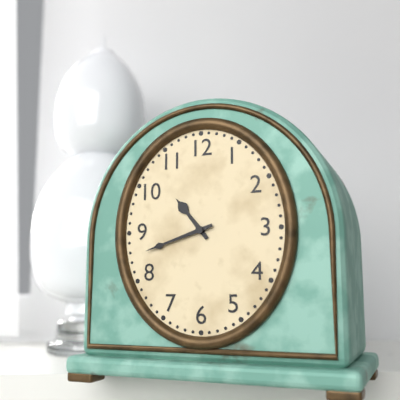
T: 10 h 42 min
